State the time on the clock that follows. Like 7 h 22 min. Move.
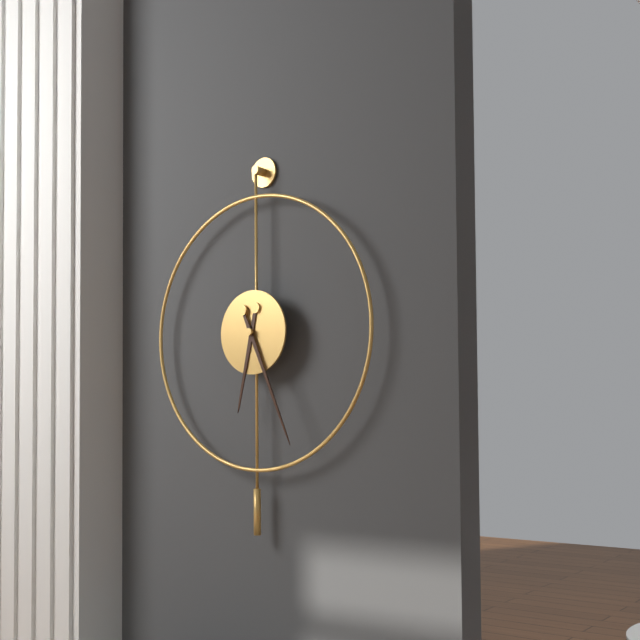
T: 6 h 26 min
